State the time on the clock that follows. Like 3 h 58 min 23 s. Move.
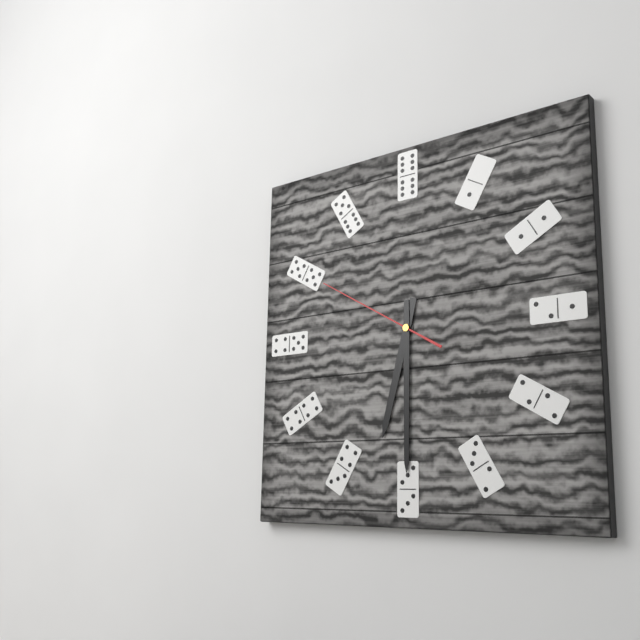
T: 6 h 30 min 50 s
